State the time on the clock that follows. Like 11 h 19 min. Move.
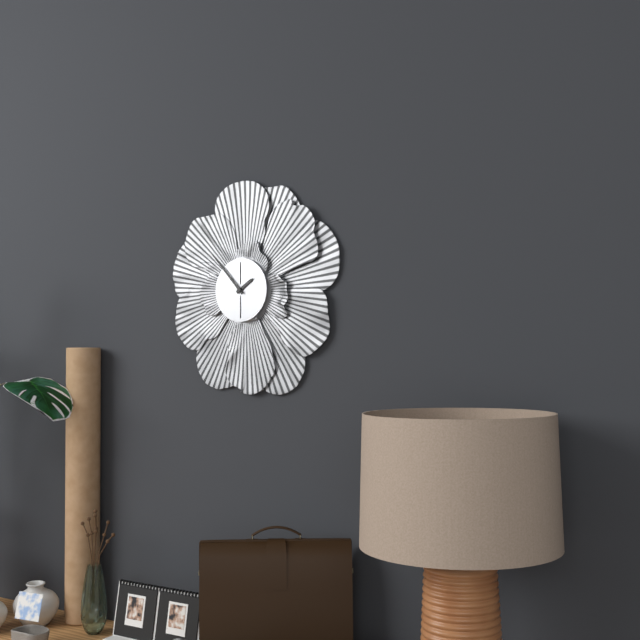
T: 1 h 53 min
